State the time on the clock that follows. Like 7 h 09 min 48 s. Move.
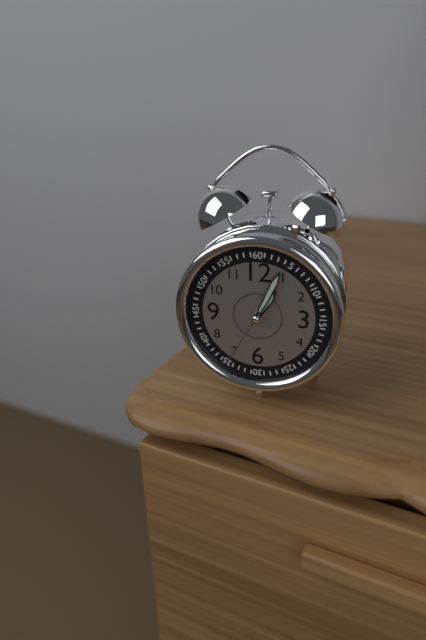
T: 1 h 04 min 35 s
